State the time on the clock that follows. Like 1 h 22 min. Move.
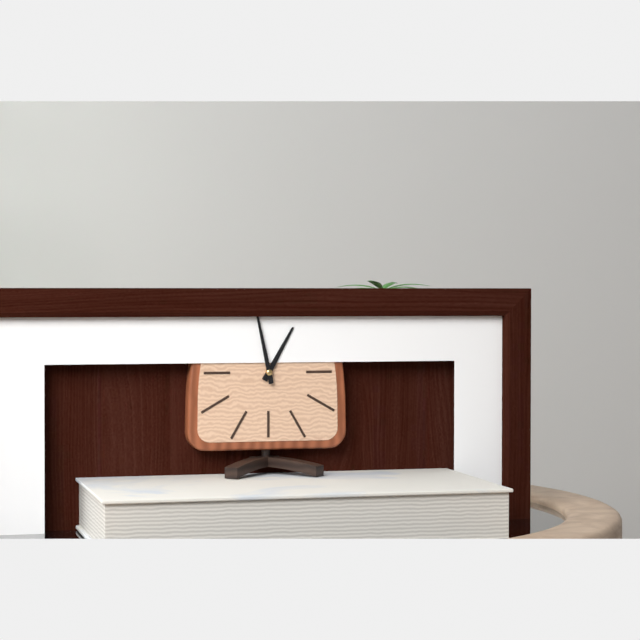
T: 12 h 58 min
